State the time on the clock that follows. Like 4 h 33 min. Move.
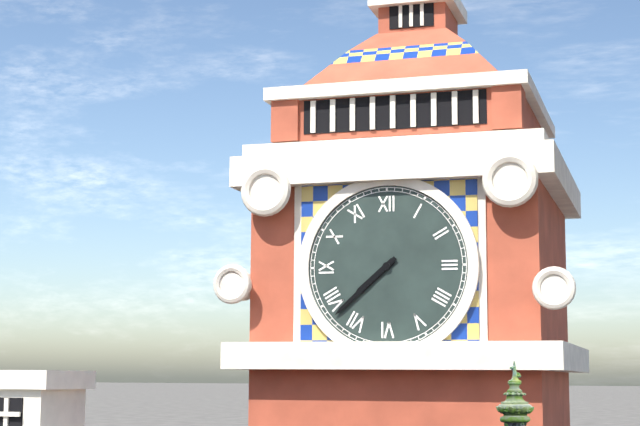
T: 7 h 38 min
